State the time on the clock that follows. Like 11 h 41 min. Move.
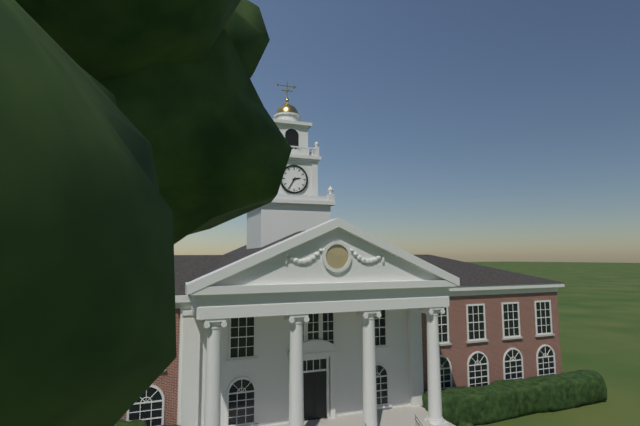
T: 2 h 35 min
